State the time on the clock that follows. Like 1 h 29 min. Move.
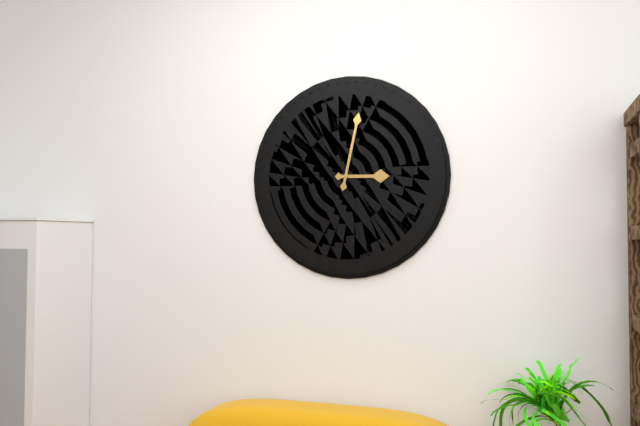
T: 3 h 02 min
